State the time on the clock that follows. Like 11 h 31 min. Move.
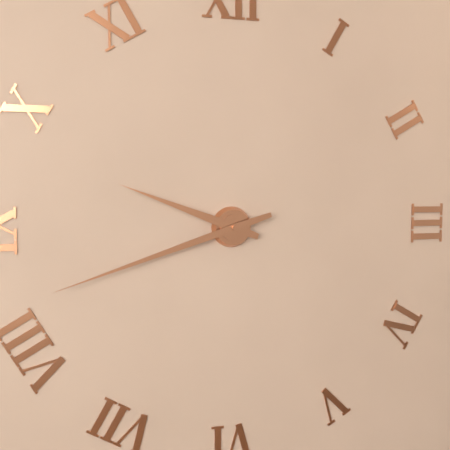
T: 9 h 42 min
